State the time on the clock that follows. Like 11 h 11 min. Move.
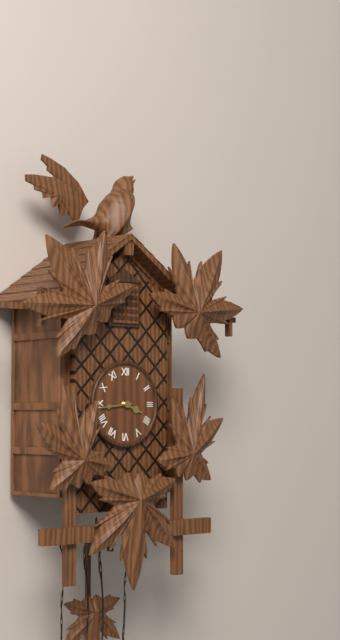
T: 3 h 44 min
